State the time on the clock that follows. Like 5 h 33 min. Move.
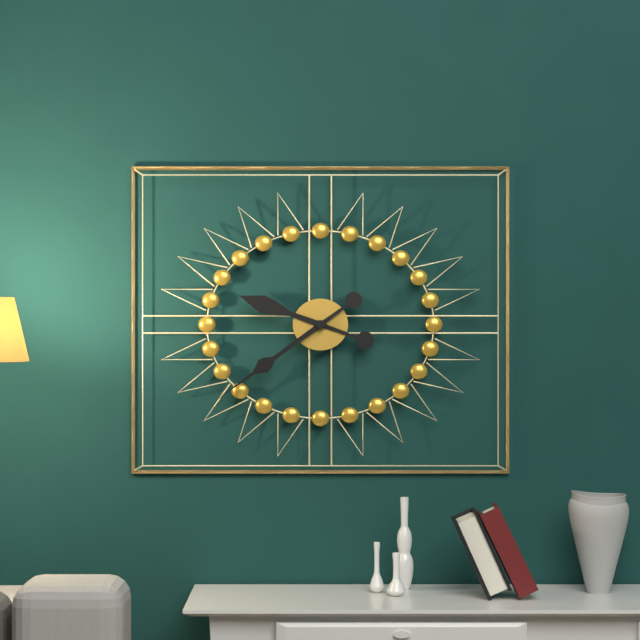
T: 9 h 39 min
